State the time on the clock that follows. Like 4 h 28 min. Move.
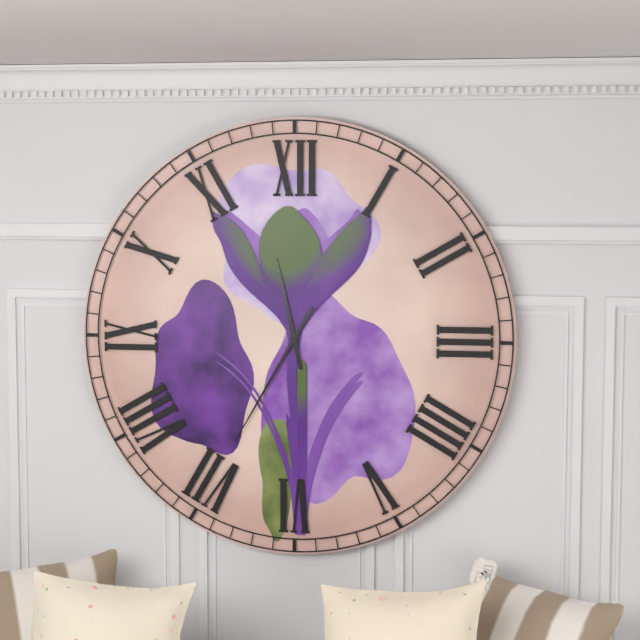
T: 11 h 35 min
